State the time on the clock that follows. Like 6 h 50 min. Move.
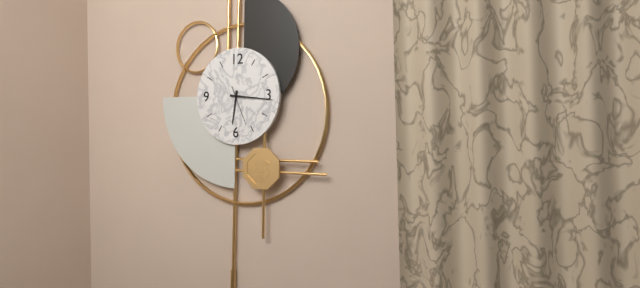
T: 6 h 16 min
